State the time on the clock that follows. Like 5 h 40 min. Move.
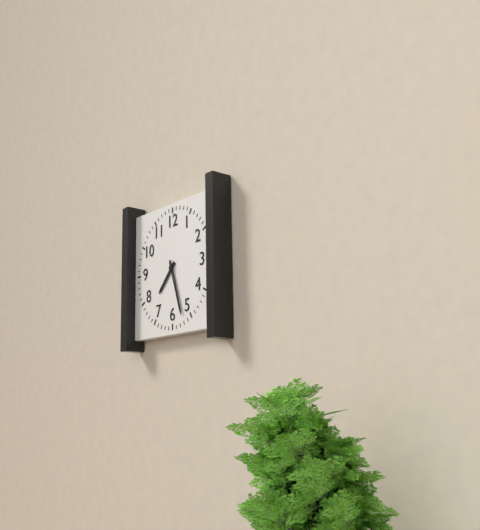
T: 7 h 27 min
